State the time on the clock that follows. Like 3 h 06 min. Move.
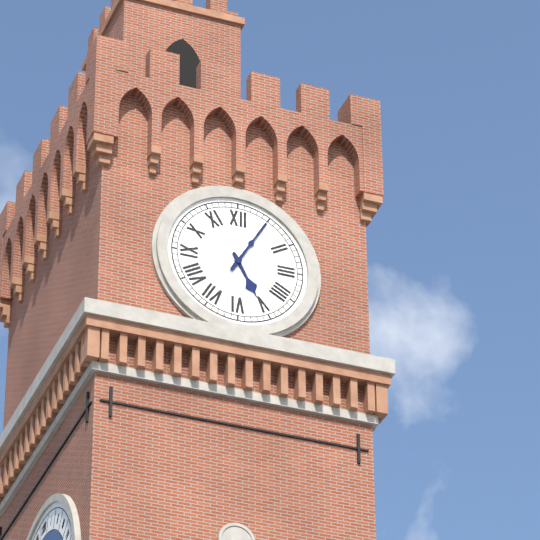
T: 5 h 05 min
